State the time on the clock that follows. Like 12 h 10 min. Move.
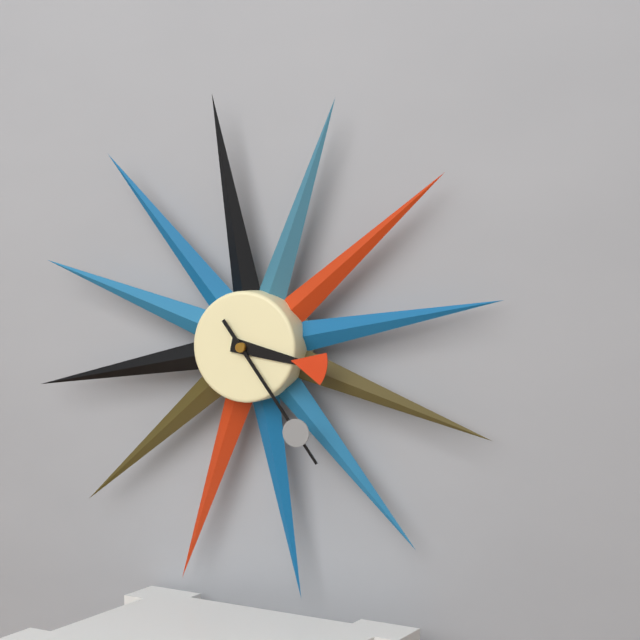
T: 3 h 24 min
